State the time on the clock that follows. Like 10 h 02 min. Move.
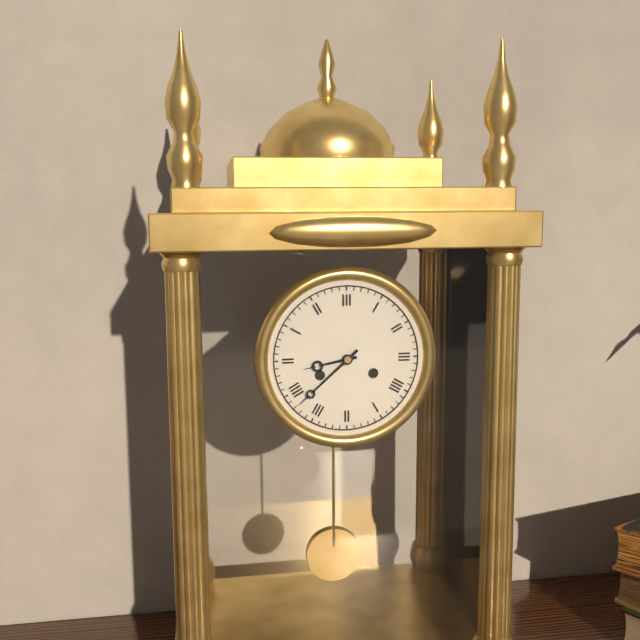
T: 8 h 38 min
